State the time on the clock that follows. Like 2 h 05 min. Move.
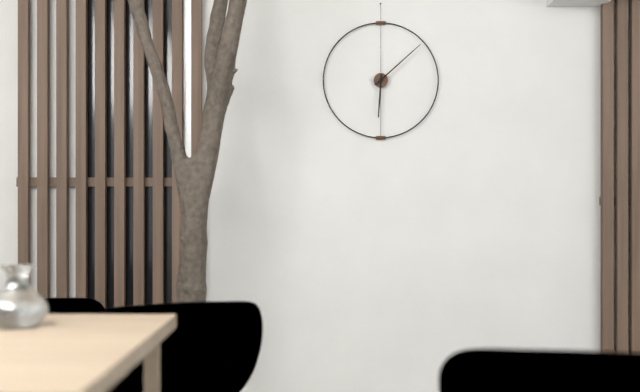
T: 6 h 08 min
